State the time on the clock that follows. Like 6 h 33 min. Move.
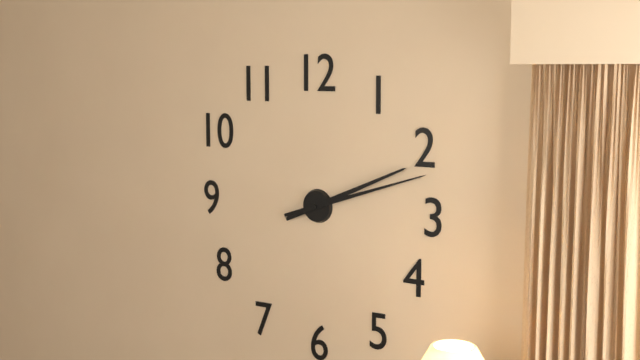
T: 2 h 12 min
